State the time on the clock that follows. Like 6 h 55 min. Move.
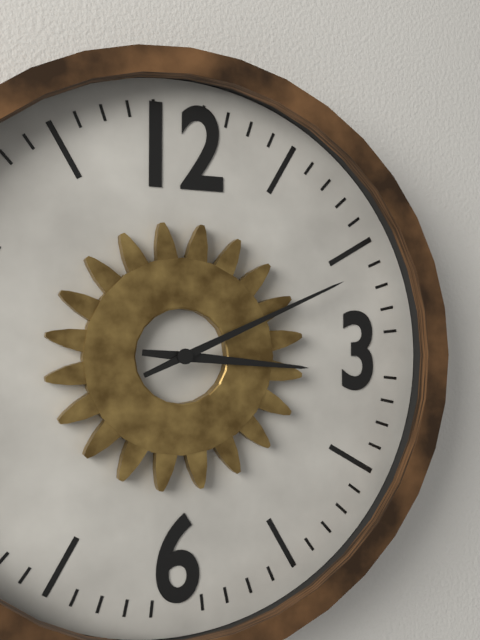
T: 3 h 11 min
